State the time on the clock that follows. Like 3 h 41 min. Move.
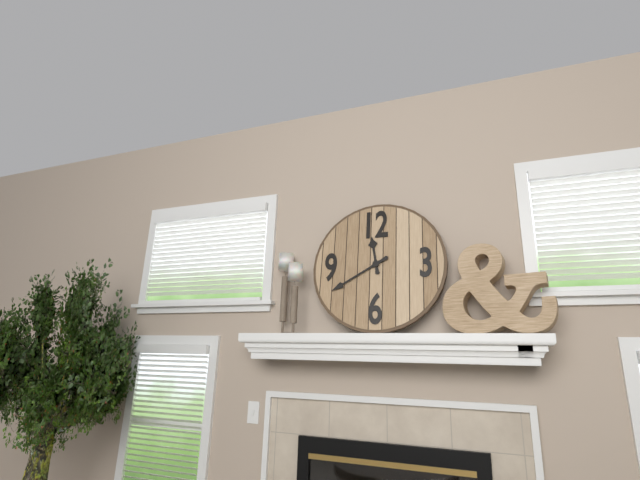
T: 11 h 40 min
